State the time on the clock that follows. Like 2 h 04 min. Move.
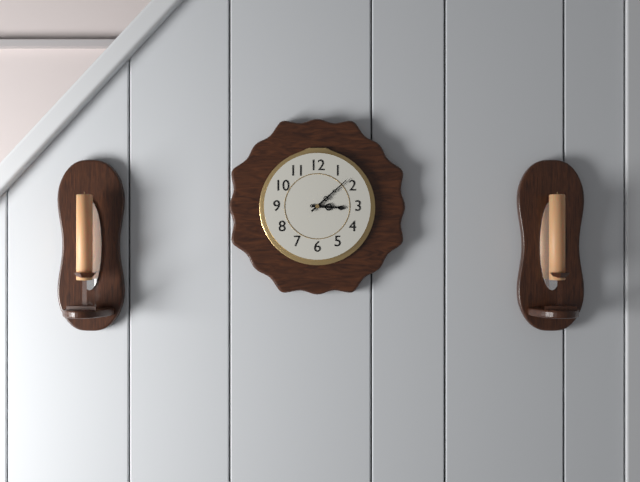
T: 3 h 08 min
